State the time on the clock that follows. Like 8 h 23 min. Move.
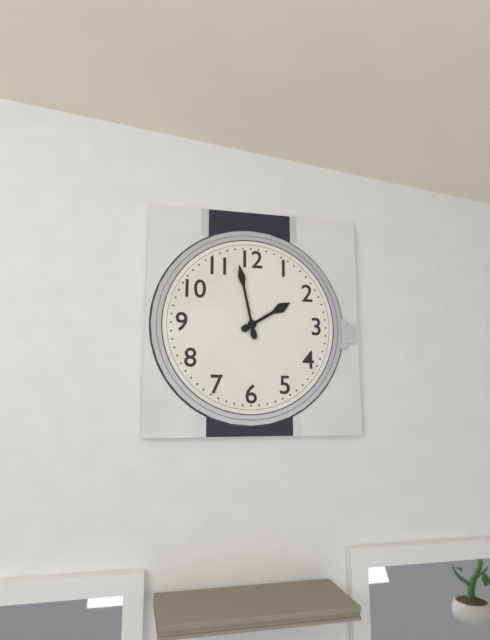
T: 1 h 58 min
